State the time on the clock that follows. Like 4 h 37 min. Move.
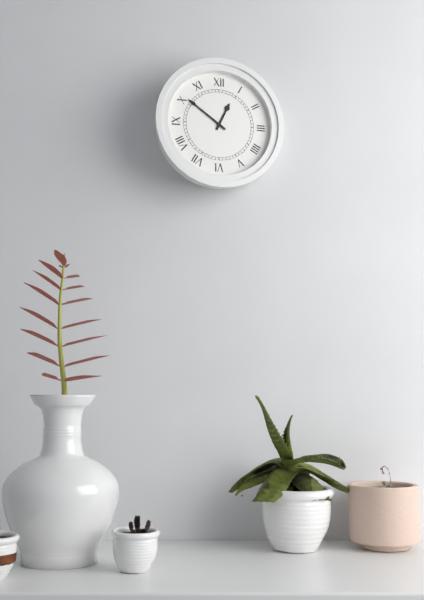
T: 12 h 51 min
